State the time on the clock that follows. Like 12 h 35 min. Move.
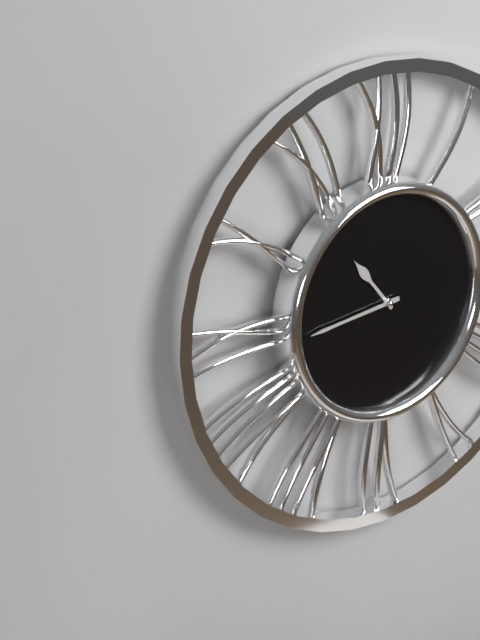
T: 10 h 44 min
